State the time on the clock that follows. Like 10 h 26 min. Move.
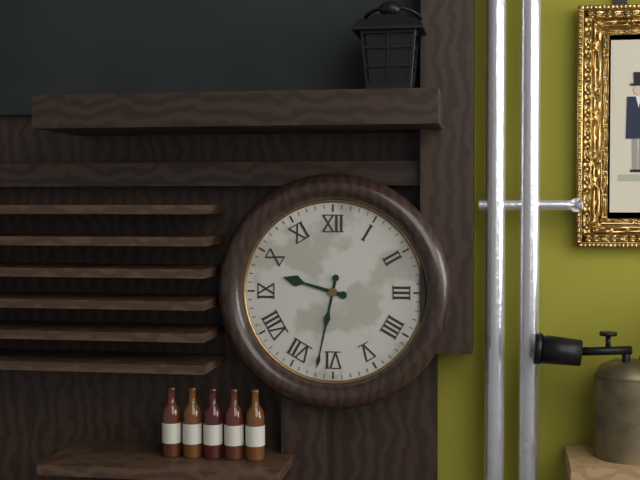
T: 9 h 32 min
